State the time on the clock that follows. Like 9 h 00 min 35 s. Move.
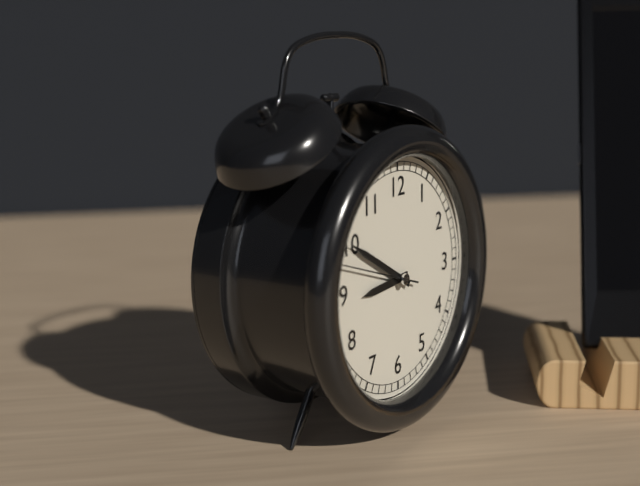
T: 8 h 50 min 48 s
